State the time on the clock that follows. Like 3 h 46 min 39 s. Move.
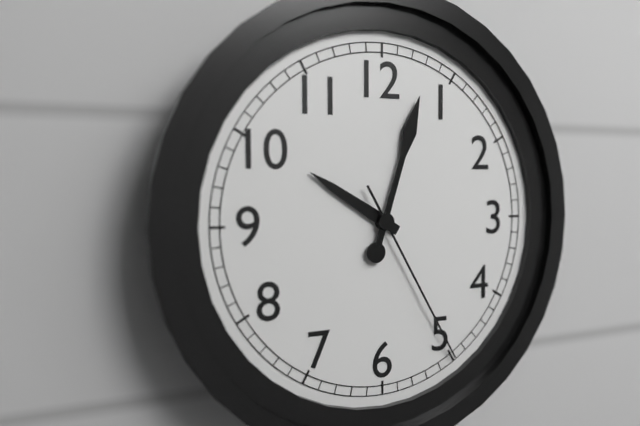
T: 10 h 03 min 25 s
